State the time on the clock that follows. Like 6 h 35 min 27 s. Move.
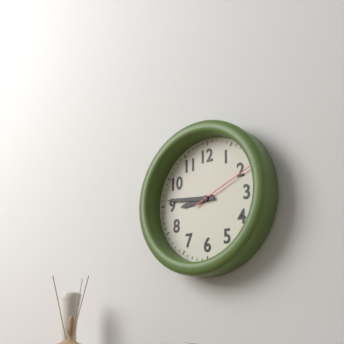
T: 8 h 46 min 11 s
